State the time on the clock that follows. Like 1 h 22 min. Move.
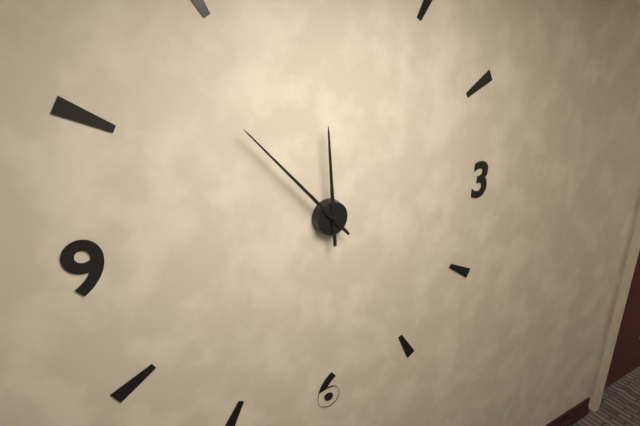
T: 11 h 53 min
